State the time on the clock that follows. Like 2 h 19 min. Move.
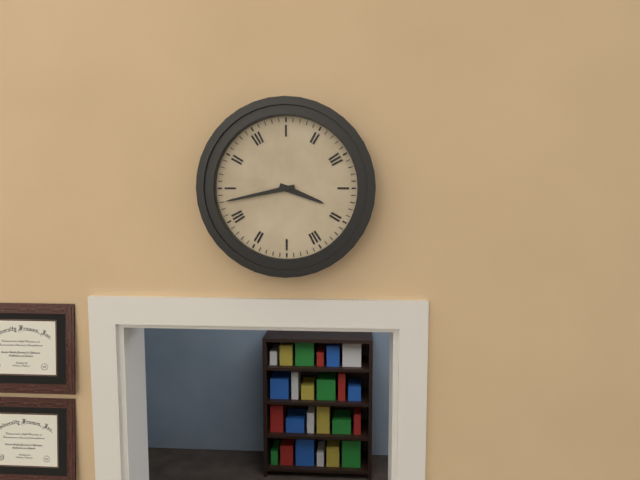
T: 3 h 43 min
